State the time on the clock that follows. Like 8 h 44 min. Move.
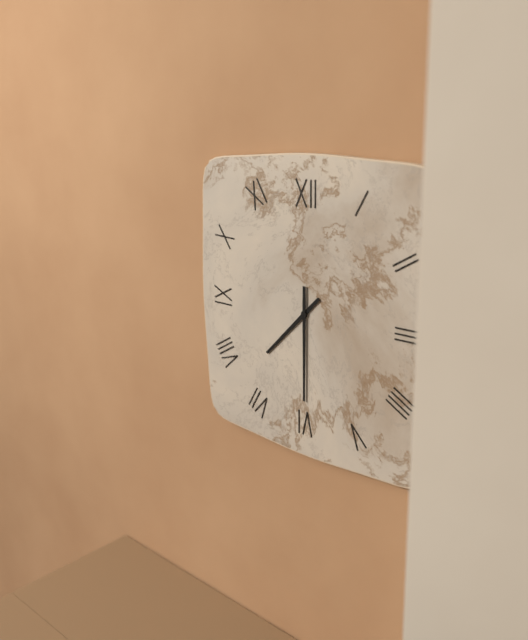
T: 7 h 30 min
